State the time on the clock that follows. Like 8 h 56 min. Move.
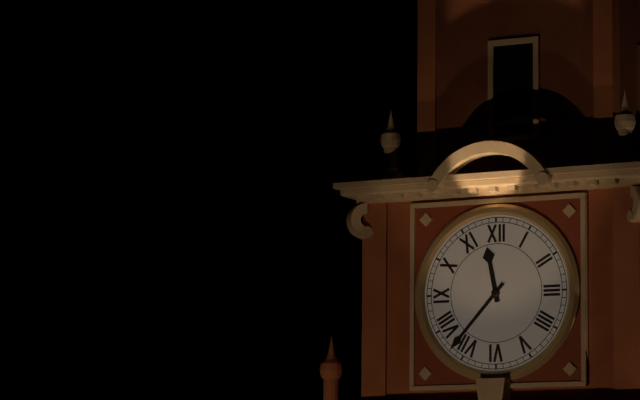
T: 11 h 37 min
